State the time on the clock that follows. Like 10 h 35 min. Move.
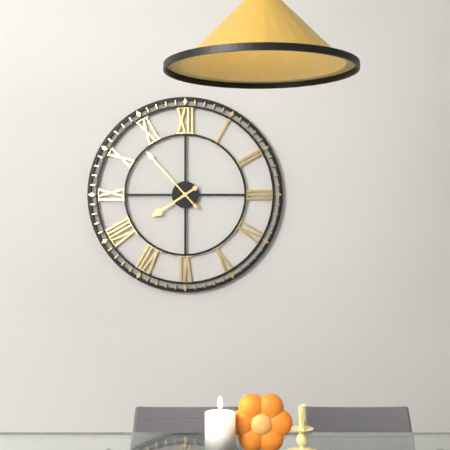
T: 7 h 53 min
